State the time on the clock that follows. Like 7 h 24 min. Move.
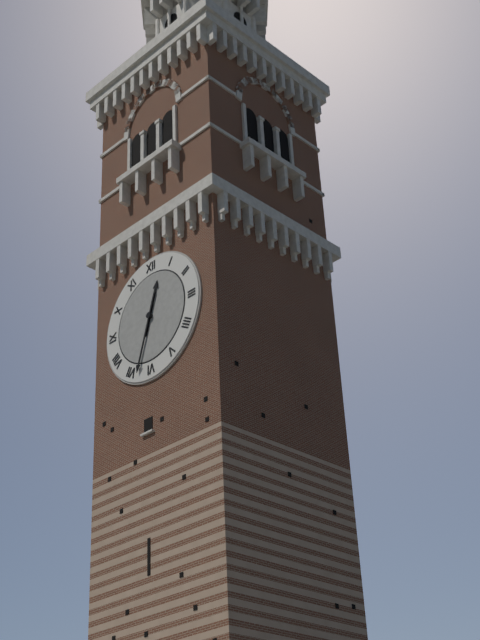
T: 12 h 33 min
